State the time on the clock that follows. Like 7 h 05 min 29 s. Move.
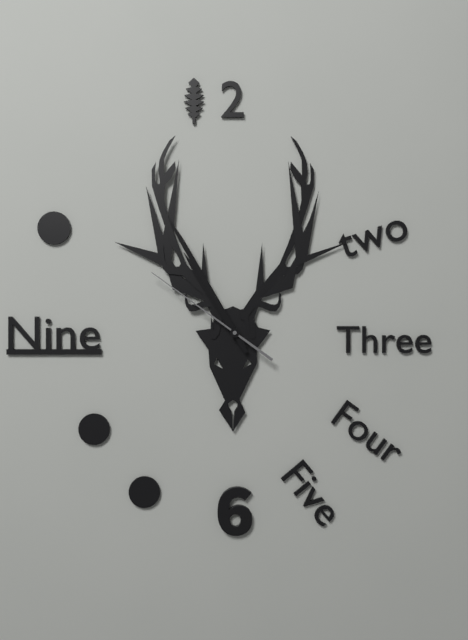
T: 10 h 55 min 51 s
